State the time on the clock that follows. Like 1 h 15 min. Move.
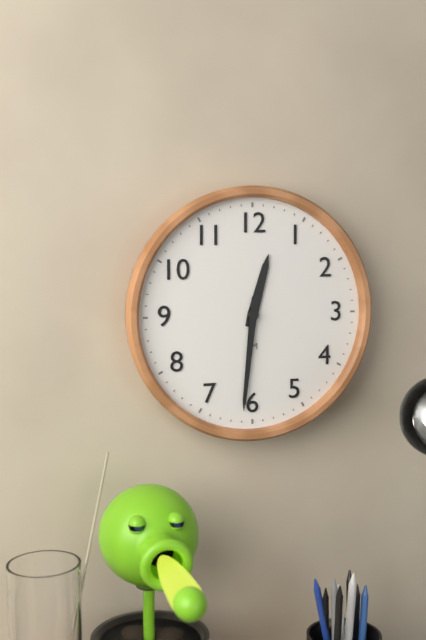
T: 12 h 31 min
